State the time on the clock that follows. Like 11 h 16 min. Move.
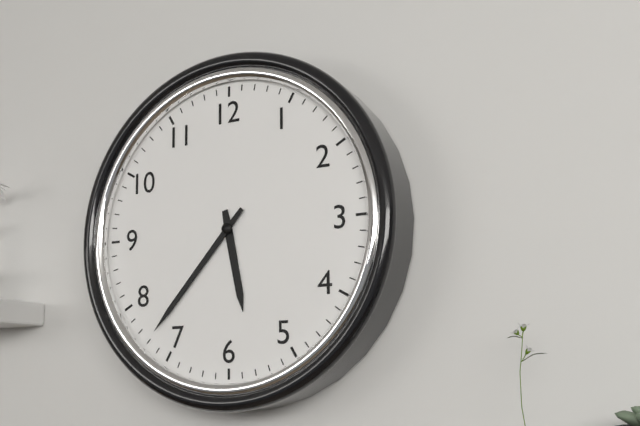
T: 5 h 37 min
